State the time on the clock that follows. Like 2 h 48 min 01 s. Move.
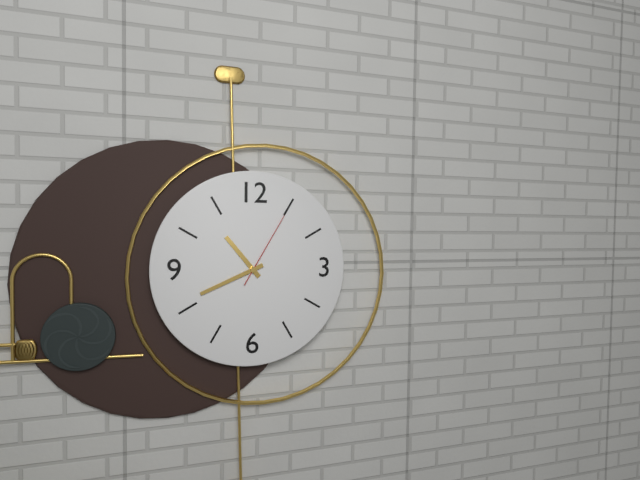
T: 10 h 41 min 05 s
